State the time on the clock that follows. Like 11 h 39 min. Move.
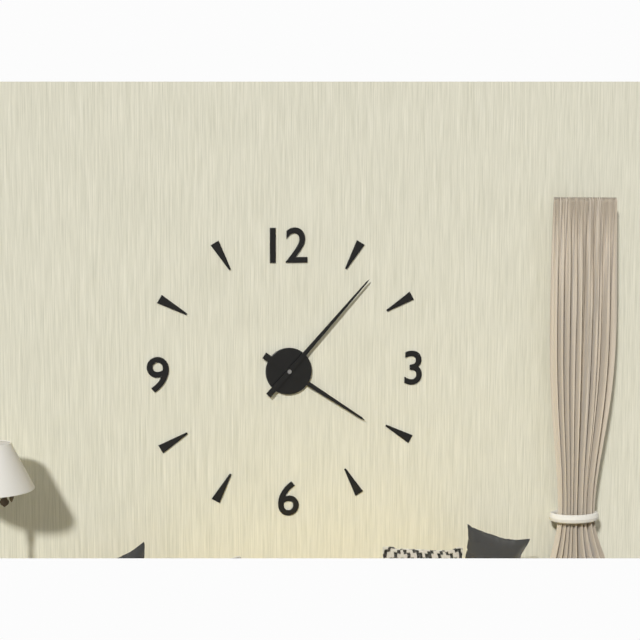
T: 4 h 07 min
